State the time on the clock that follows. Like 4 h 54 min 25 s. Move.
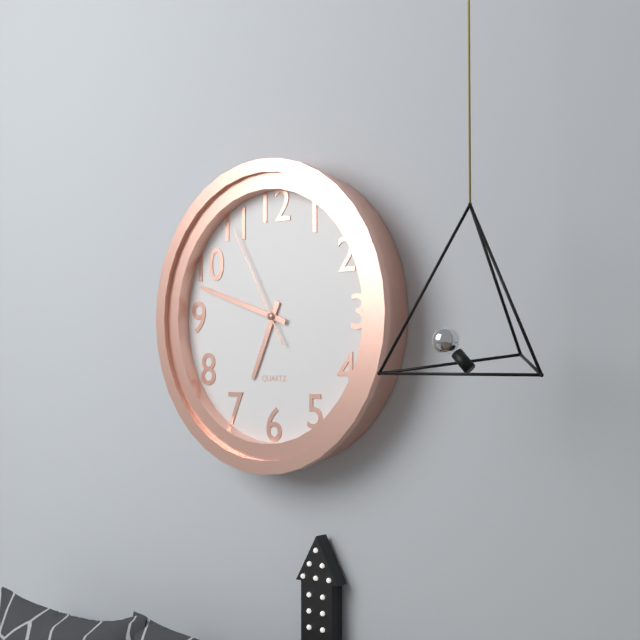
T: 6 h 48 min 55 s
